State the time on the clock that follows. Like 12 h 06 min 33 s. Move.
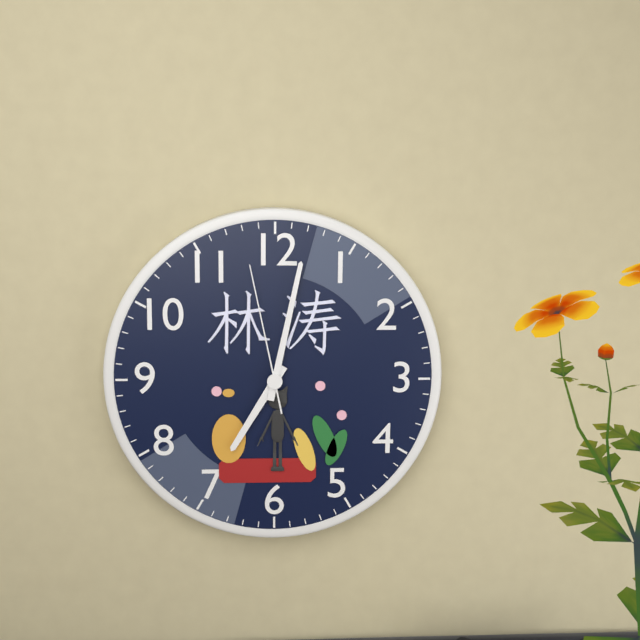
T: 7 h 02 min 58 s
